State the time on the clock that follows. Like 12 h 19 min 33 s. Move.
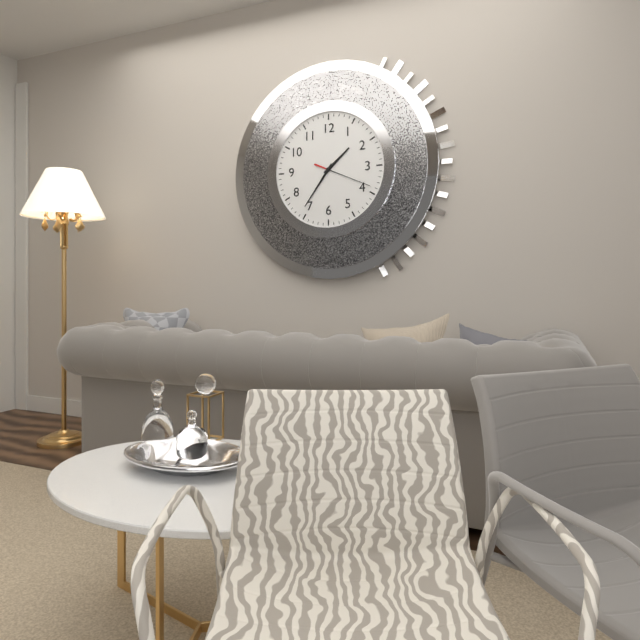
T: 1 h 36 min 19 s
